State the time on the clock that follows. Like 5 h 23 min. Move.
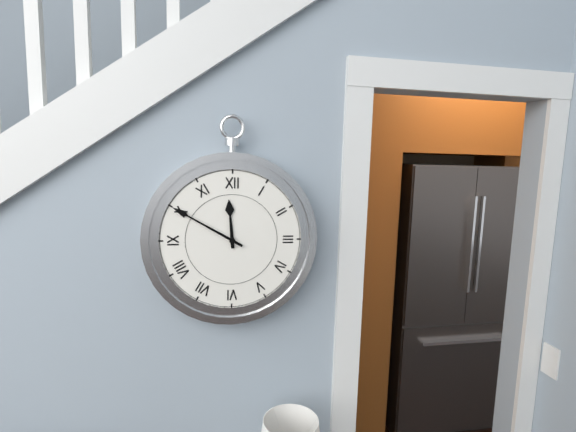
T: 11 h 50 min
